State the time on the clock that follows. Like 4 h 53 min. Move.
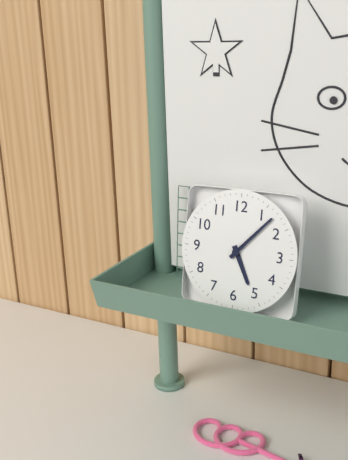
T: 5 h 07 min
